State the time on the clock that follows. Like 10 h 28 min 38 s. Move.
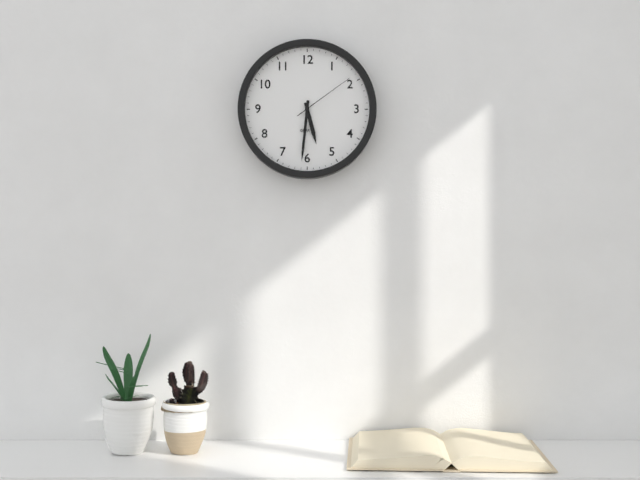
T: 5 h 31 min 09 s
